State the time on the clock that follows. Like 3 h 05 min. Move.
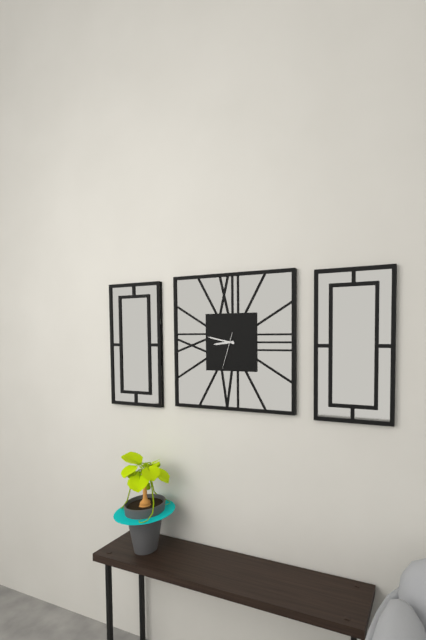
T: 8 h 47 min
